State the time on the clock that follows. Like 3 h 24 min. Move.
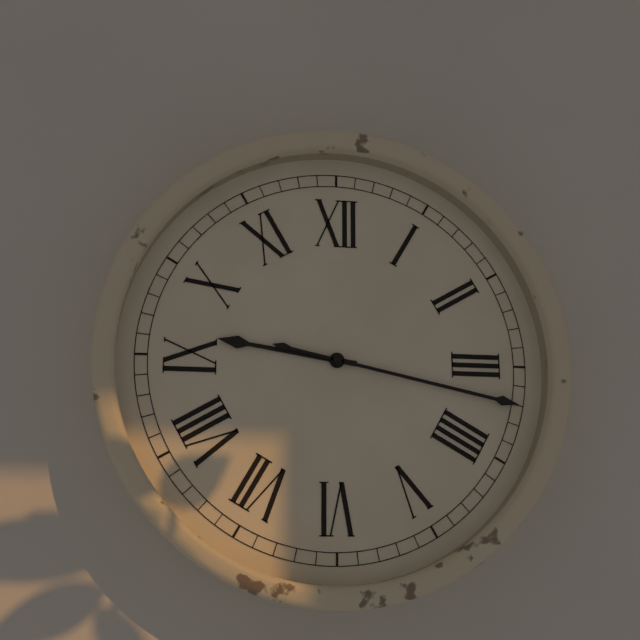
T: 9 h 17 min
